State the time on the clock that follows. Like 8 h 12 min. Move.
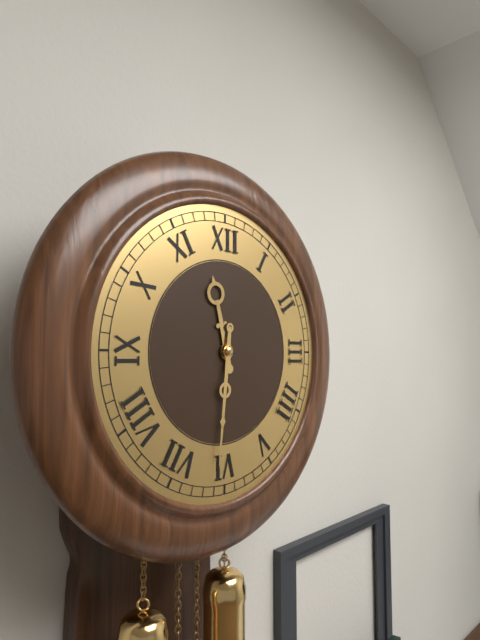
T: 11 h 31 min
